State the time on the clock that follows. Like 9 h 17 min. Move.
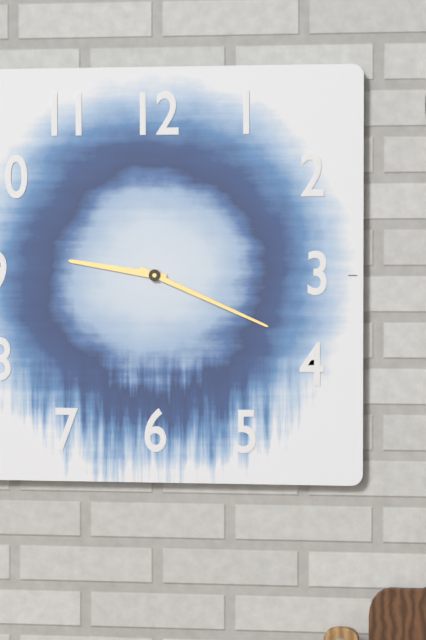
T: 9 h 19 min
